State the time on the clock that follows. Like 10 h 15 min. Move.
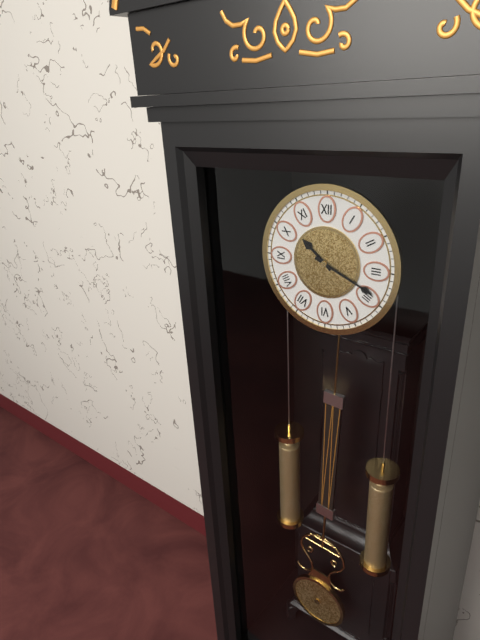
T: 10 h 19 min
